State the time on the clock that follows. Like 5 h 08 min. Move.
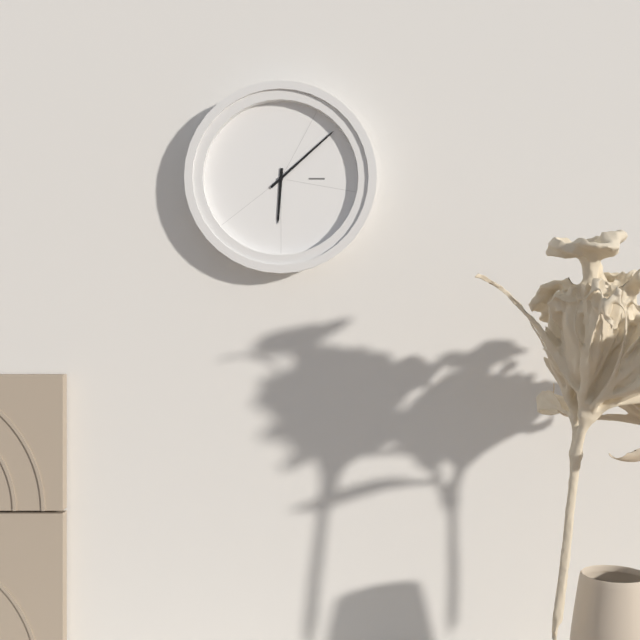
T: 6 h 08 min
